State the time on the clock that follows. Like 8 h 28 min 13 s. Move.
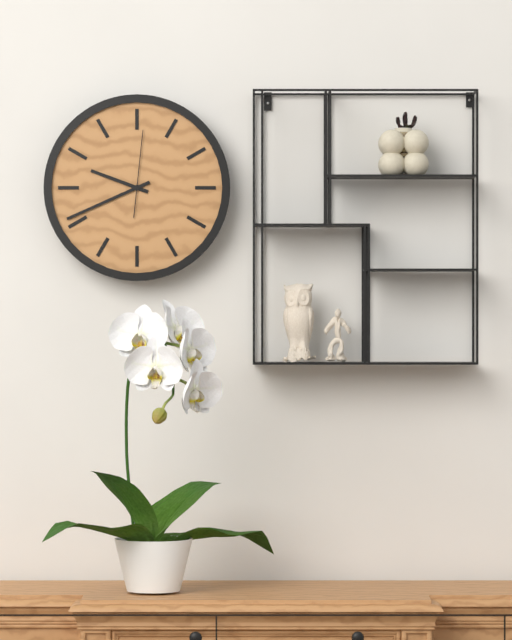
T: 9 h 41 min 01 s
